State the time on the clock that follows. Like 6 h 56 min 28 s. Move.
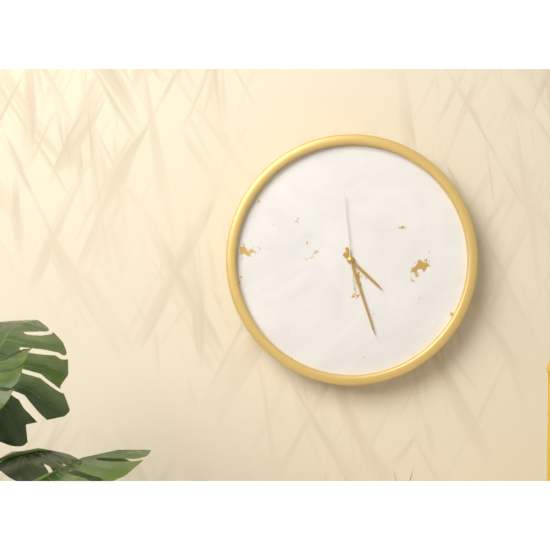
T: 4 h 27 min 59 s
